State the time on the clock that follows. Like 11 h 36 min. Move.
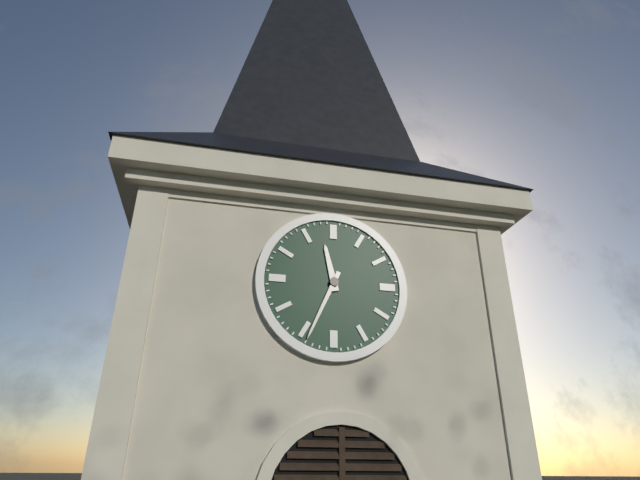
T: 11 h 34 min
